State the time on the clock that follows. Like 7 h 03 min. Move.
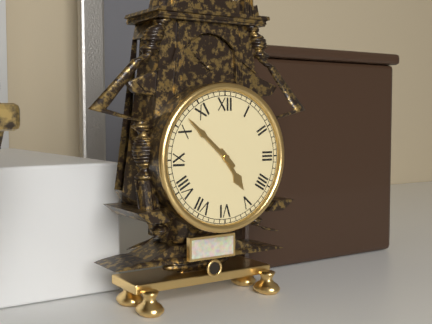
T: 4 h 52 min
